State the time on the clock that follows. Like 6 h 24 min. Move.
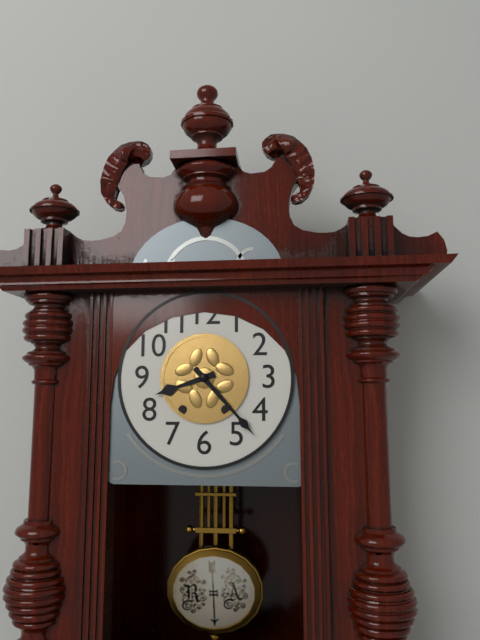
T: 8 h 23 min
